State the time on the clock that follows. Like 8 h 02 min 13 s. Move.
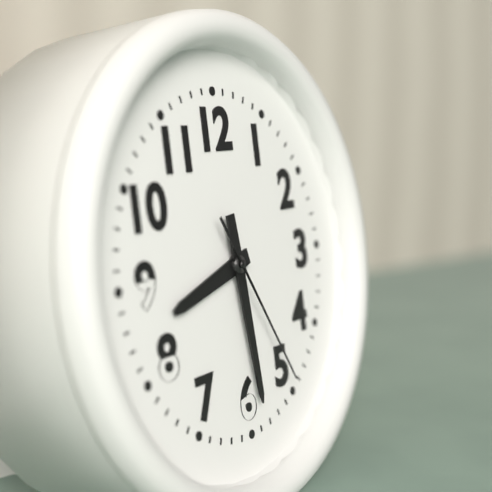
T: 8 h 29 min 25 s
